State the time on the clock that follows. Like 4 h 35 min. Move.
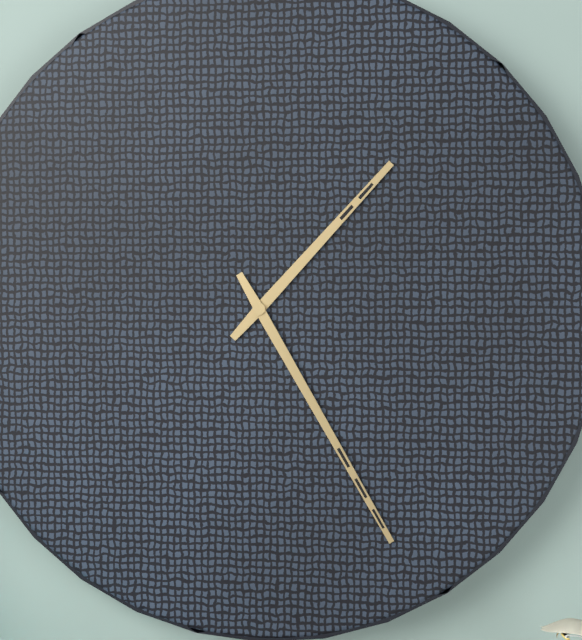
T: 1 h 25 min
